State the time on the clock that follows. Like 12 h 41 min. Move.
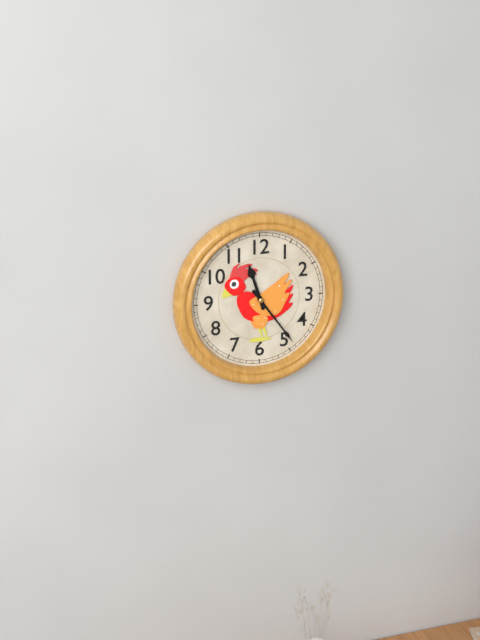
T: 11 h 24 min
